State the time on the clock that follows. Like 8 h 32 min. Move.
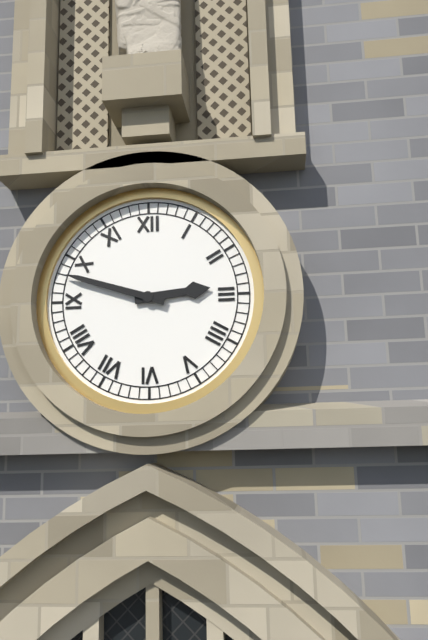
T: 2 h 48 min
